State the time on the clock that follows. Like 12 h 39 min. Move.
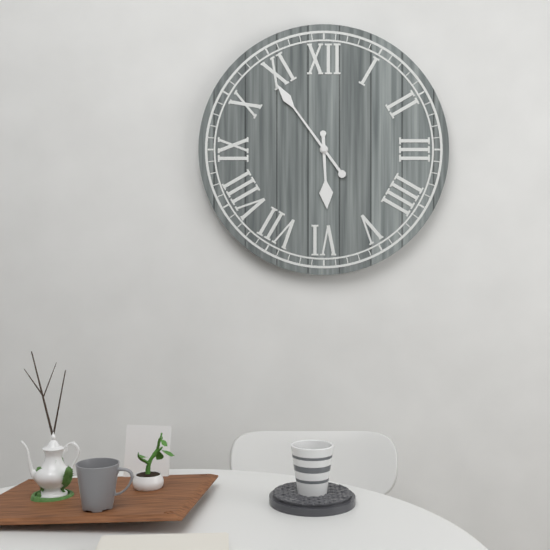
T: 5 h 54 min
